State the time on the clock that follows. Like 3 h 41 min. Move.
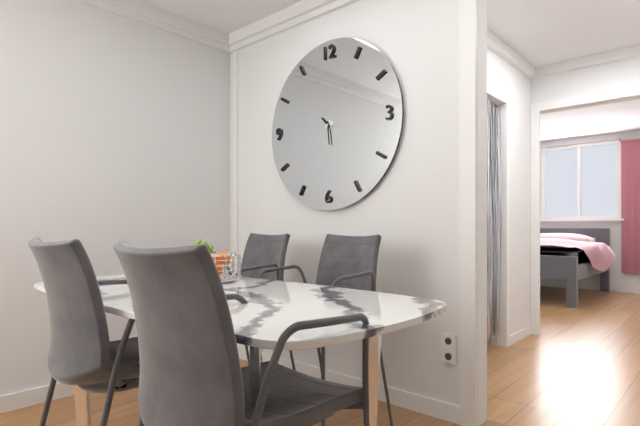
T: 10 h 29 min
